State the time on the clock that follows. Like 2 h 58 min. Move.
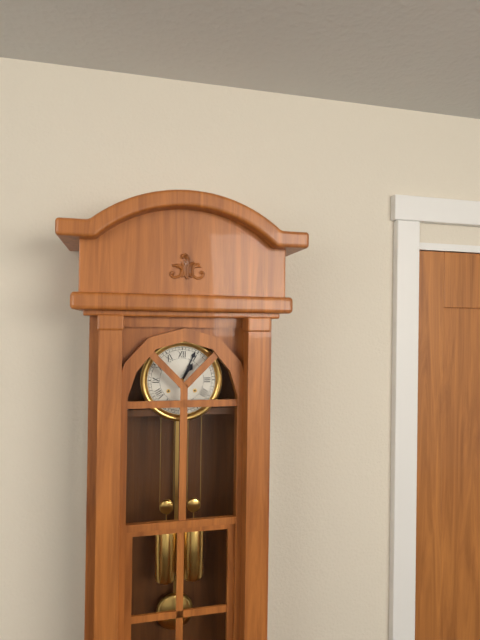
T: 1 h 04 min
